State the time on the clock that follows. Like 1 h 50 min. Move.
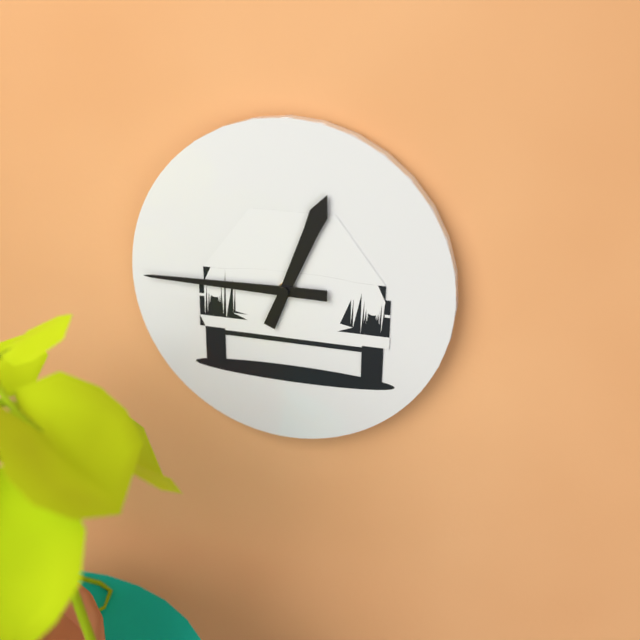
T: 12 h 45 min
